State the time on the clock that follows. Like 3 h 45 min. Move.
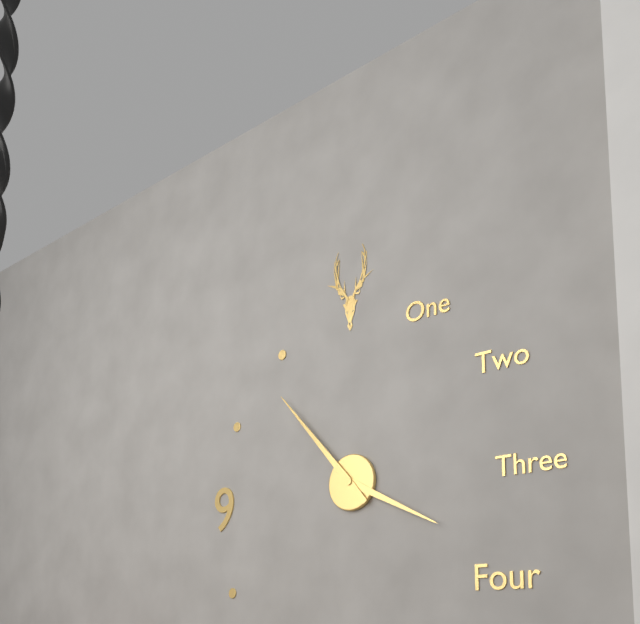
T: 3 h 53 min
